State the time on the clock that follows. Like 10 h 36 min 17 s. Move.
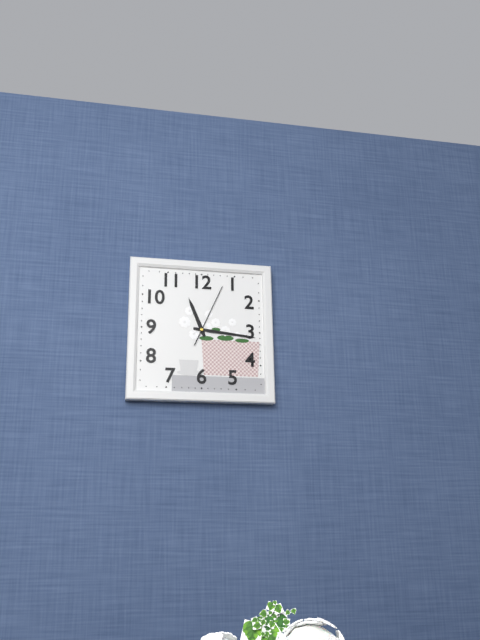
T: 11 h 16 min 04 s
